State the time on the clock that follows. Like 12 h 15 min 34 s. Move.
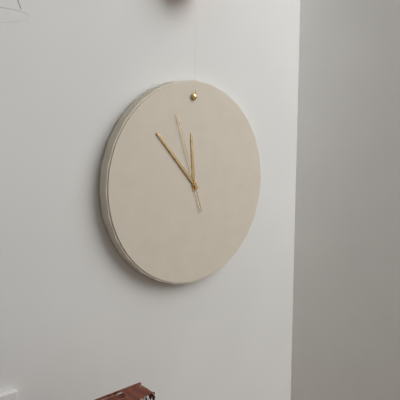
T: 11 h 53 min 57 s
